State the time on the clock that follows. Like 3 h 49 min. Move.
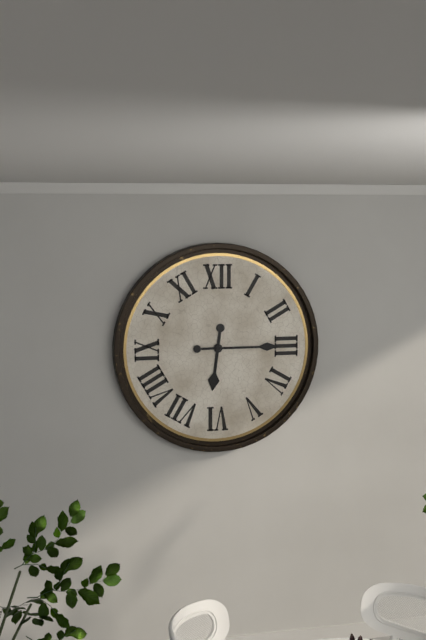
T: 6 h 15 min
